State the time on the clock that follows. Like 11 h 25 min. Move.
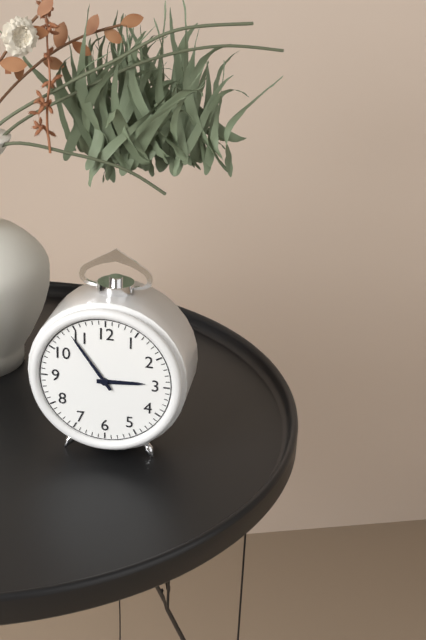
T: 2 h 54 min
